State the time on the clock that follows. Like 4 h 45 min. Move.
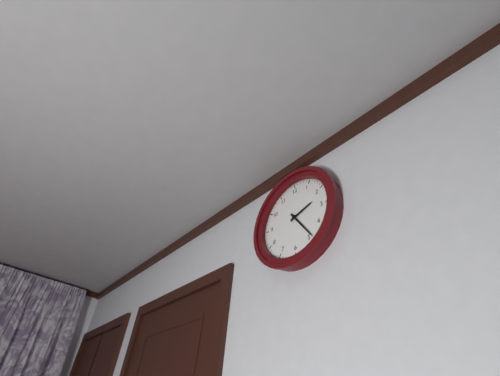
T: 2 h 24 min
